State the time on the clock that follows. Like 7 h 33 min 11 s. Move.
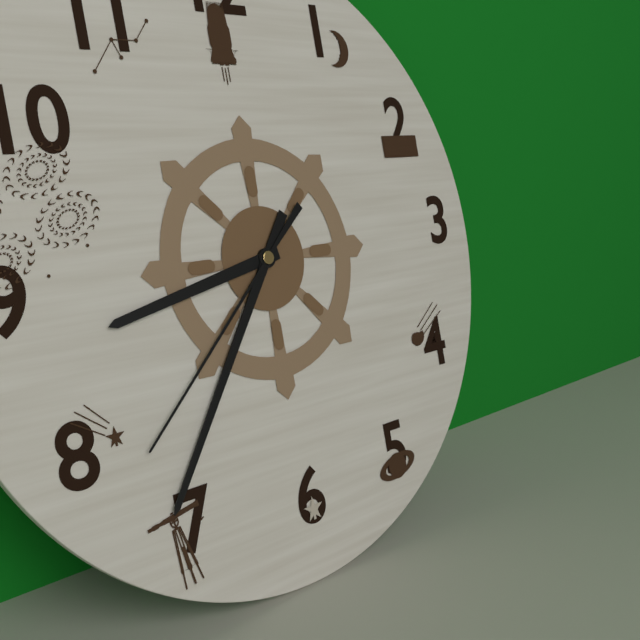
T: 8 h 36 min 38 s
